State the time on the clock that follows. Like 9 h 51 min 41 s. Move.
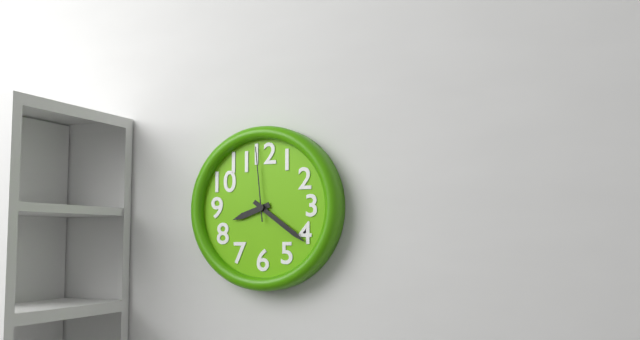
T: 8 h 21 min 59 s
